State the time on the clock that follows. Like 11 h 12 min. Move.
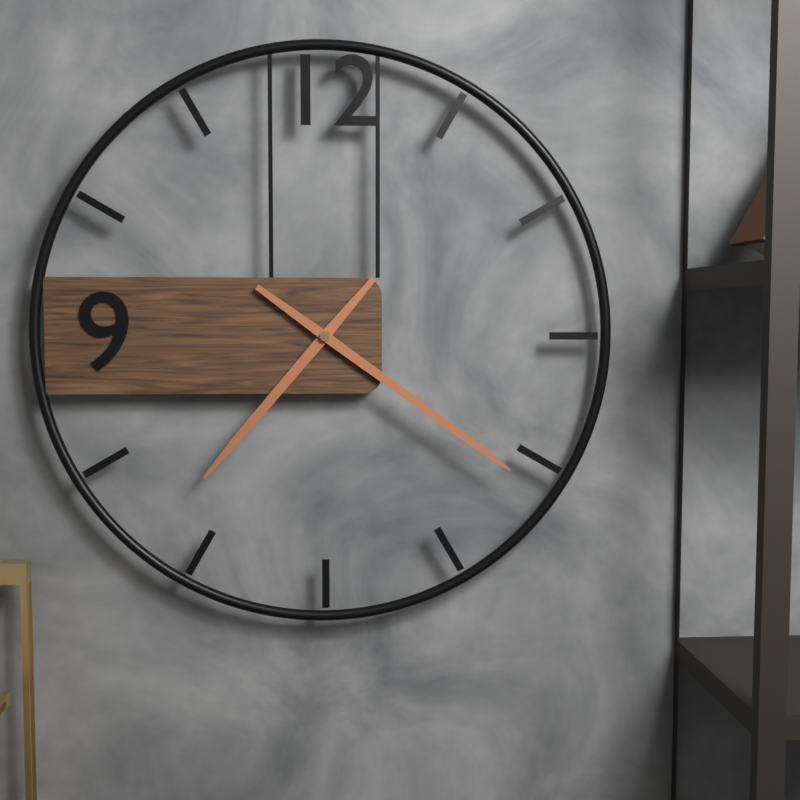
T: 7 h 21 min
